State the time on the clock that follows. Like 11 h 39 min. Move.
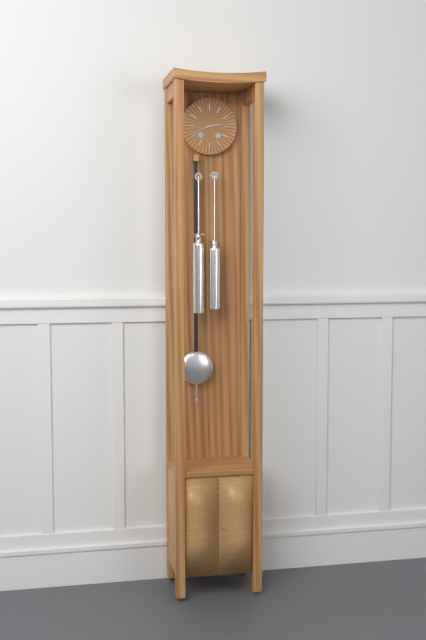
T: 2 h 41 min
